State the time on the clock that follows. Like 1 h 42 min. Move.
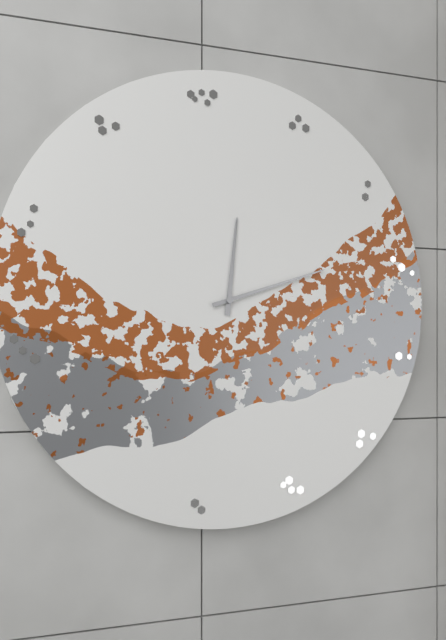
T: 12 h 12 min
